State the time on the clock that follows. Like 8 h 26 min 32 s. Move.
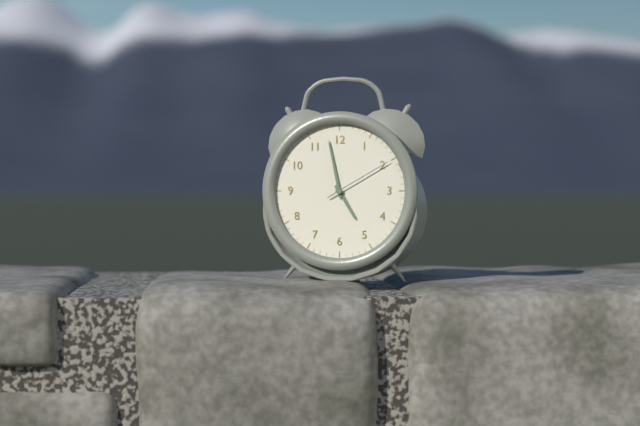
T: 4 h 58 min 10 s
